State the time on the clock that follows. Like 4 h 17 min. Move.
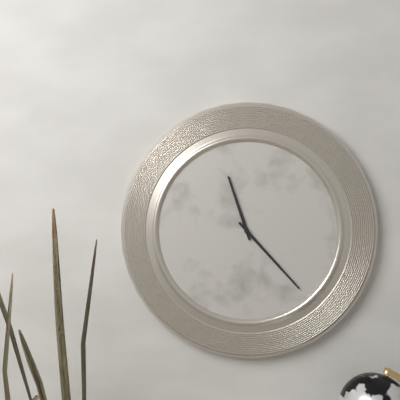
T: 11 h 23 min
